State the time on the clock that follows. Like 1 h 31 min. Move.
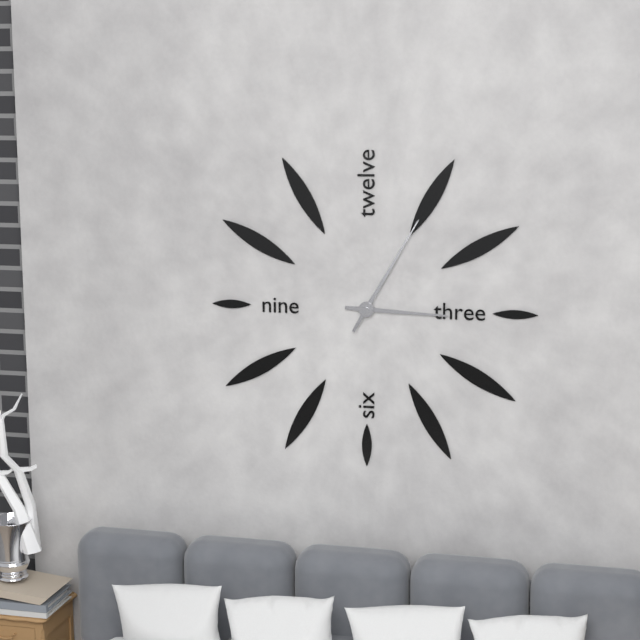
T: 3 h 05 min
